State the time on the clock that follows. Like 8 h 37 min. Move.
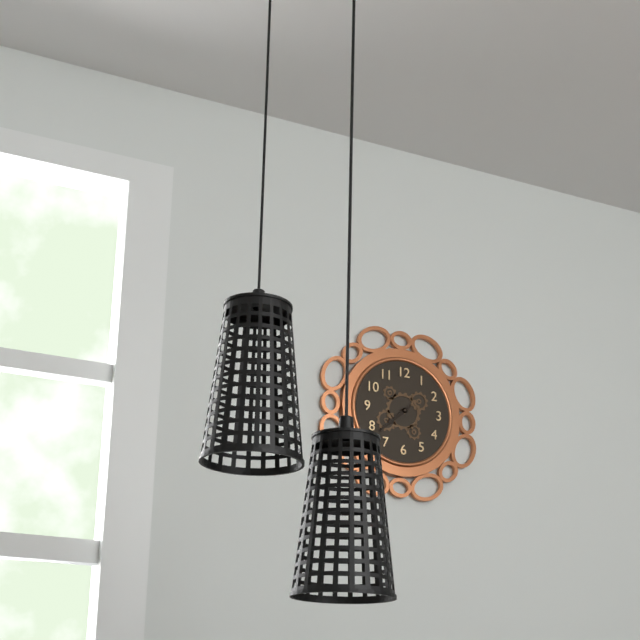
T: 7 h 38 min
